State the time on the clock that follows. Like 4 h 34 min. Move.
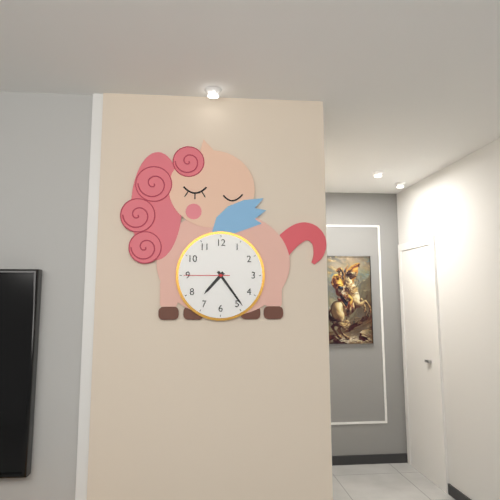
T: 7 h 24 min
